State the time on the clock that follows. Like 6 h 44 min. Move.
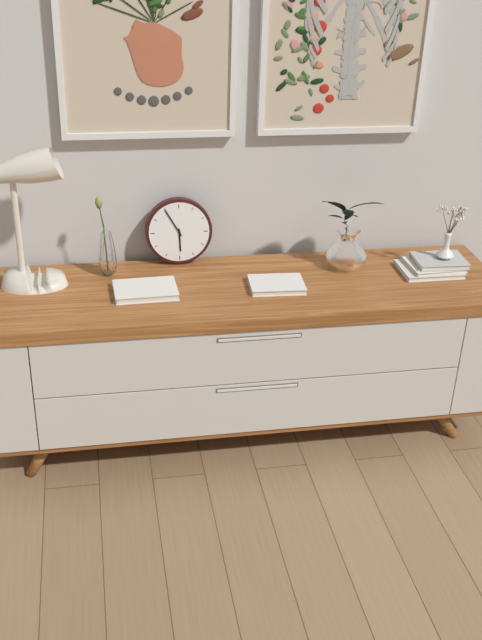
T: 5 h 55 min
